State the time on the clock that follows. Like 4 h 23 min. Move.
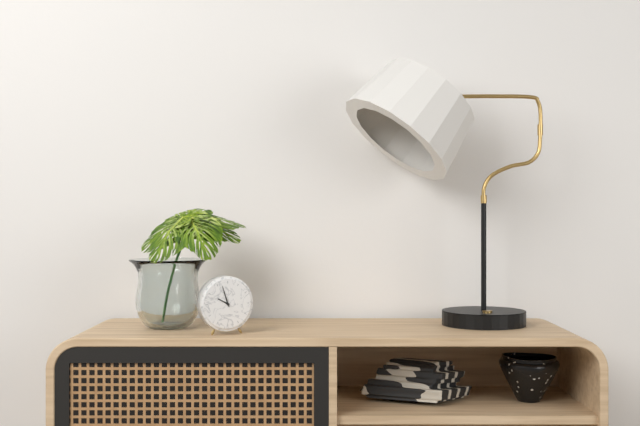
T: 9 h 57 min
